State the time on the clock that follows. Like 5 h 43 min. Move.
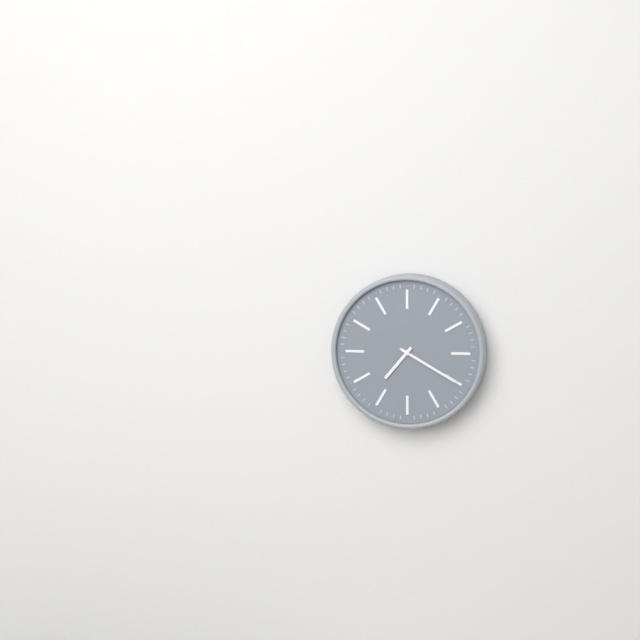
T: 7 h 20 min
